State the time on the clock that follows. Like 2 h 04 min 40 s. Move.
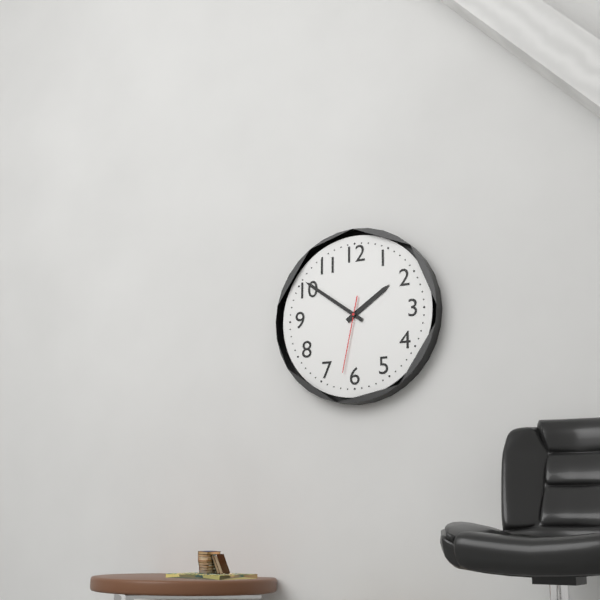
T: 1 h 51 min 32 s
